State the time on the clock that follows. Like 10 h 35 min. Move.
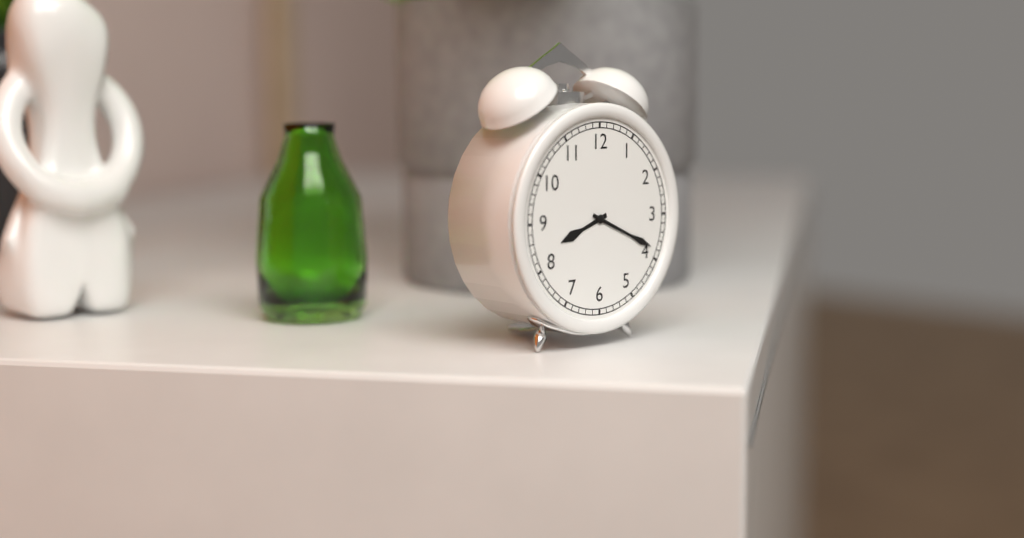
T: 8 h 19 min
